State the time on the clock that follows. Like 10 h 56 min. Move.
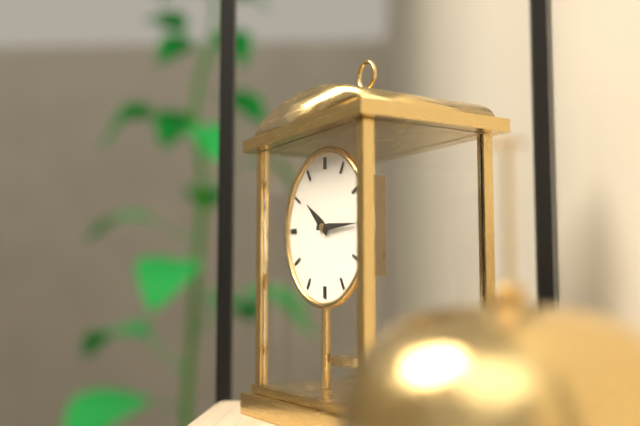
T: 10 h 15 min
